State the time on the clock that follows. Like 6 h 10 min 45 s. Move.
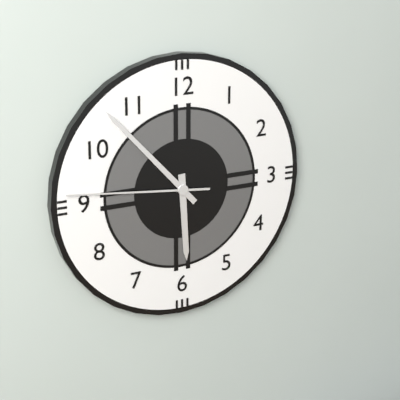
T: 5 h 53 min 46 s
